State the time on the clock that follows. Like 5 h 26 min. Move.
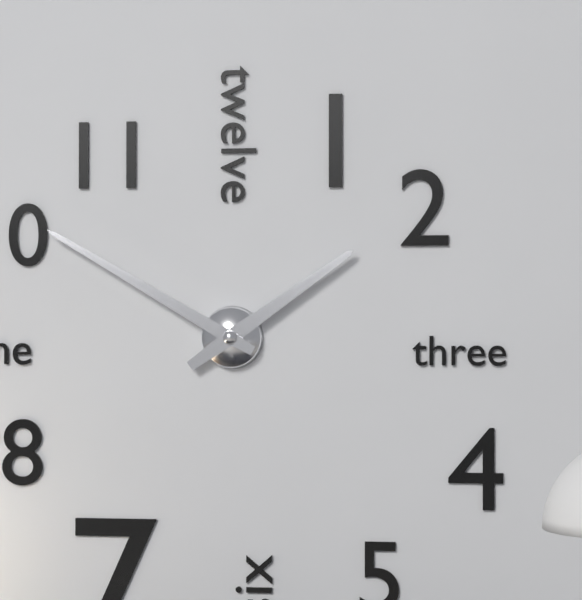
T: 1 h 50 min
